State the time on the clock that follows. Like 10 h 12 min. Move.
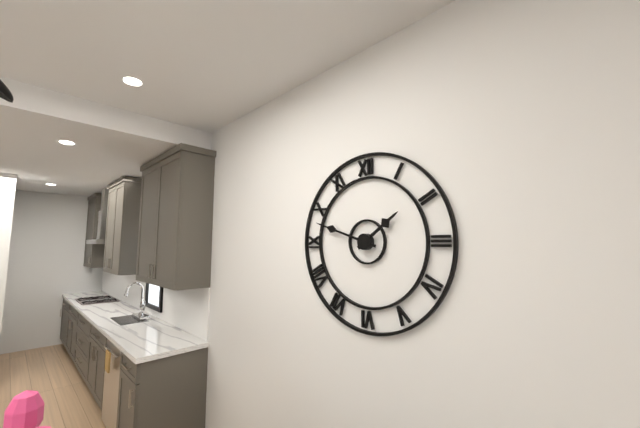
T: 1 h 48 min
